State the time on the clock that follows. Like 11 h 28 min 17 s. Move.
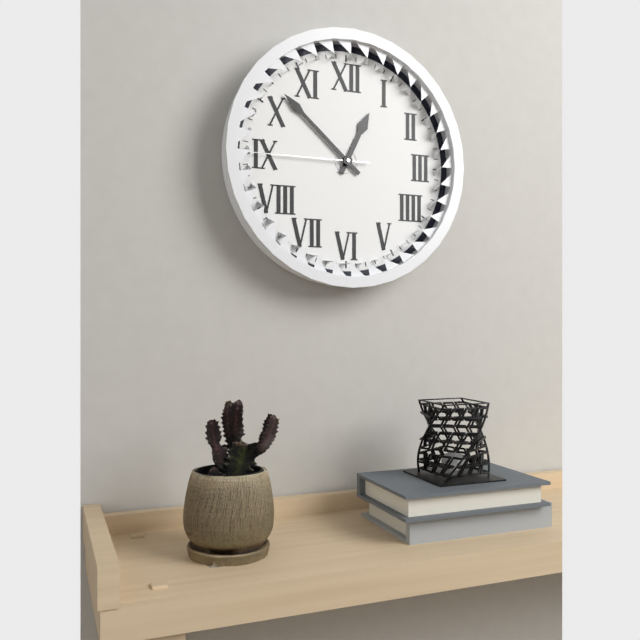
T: 12 h 52 min 45 s
